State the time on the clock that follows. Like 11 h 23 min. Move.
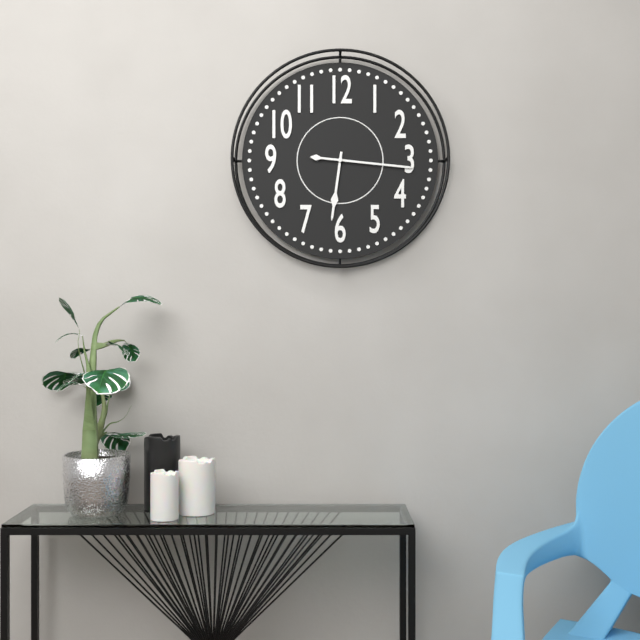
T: 6 h 16 min
